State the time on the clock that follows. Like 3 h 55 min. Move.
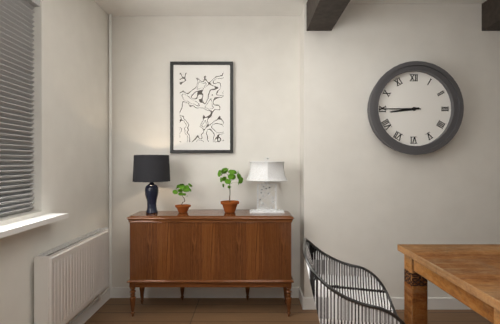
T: 8 h 45 min
